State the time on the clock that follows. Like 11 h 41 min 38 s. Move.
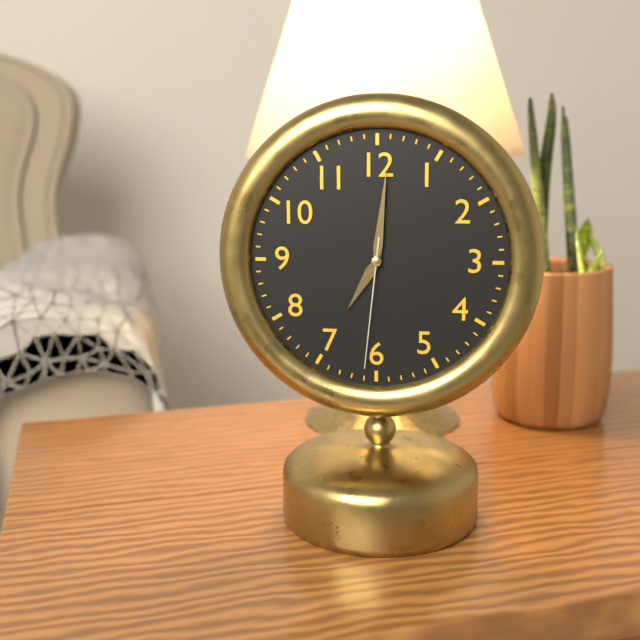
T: 7 h 01 min 31 s
